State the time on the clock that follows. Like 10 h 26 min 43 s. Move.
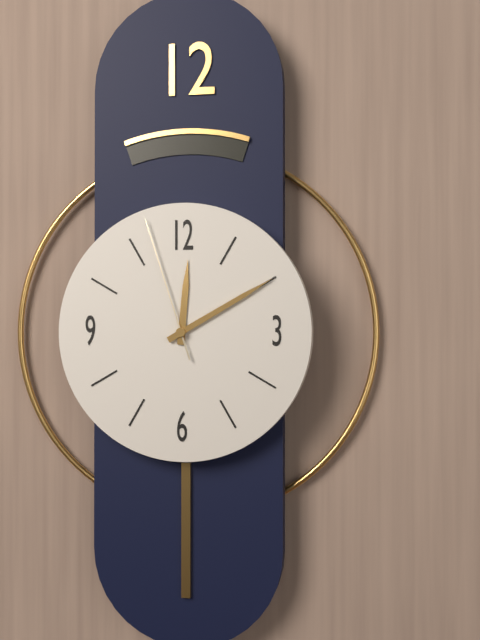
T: 12 h 10 min 57 s
